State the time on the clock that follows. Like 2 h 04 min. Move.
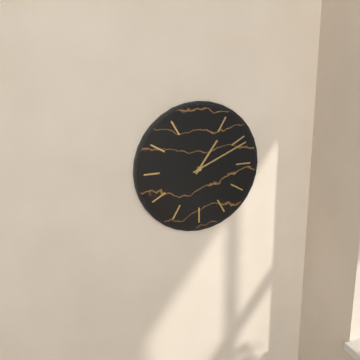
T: 1 h 11 min
